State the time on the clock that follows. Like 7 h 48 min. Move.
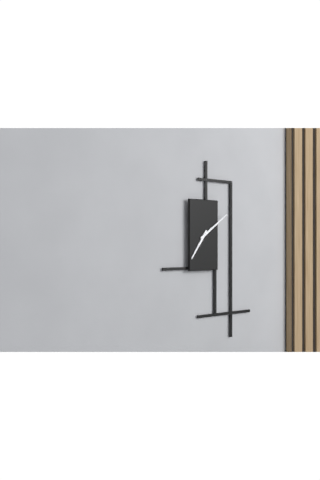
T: 7 h 09 min
